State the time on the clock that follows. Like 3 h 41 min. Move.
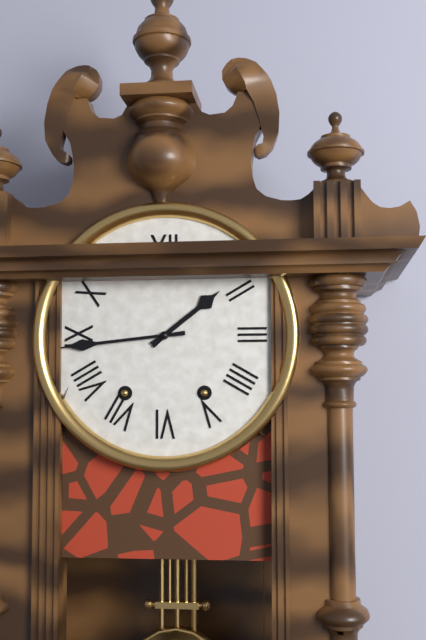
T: 1 h 44 min
